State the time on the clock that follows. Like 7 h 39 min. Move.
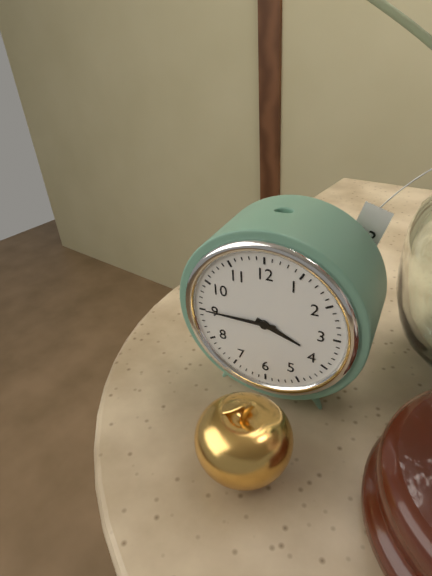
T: 3 h 45 min
